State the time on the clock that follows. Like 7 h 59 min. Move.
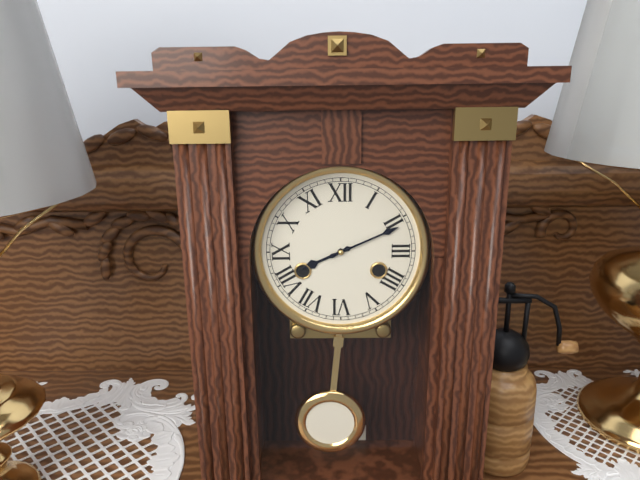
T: 8 h 11 min
